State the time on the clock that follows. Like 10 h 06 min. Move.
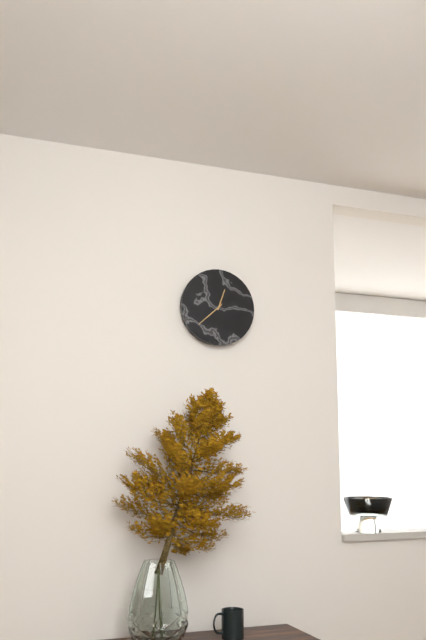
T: 12 h 38 min
